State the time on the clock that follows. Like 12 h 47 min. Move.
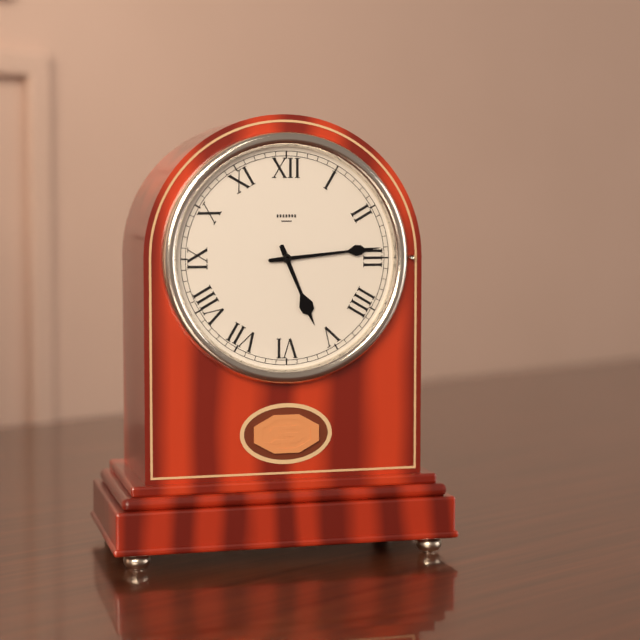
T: 5 h 14 min
